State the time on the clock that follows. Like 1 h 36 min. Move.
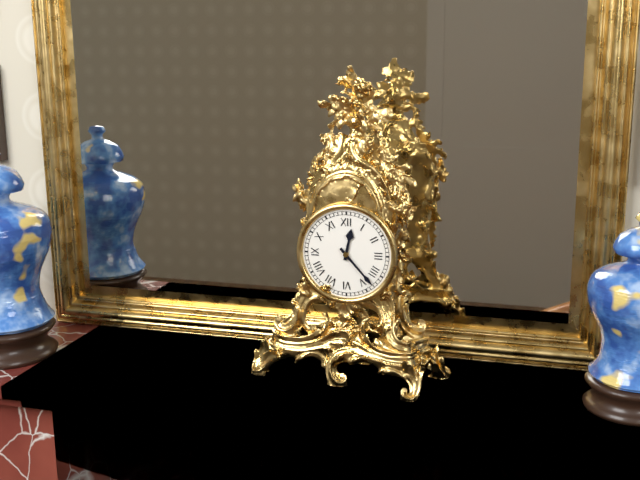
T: 12 h 23 min
